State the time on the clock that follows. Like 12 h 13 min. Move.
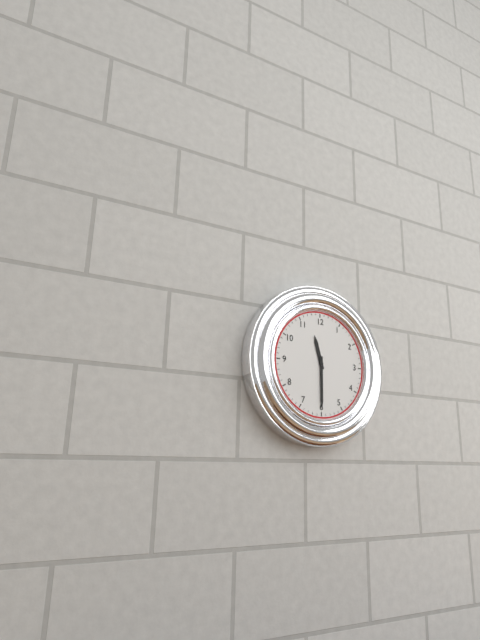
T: 11 h 30 min
